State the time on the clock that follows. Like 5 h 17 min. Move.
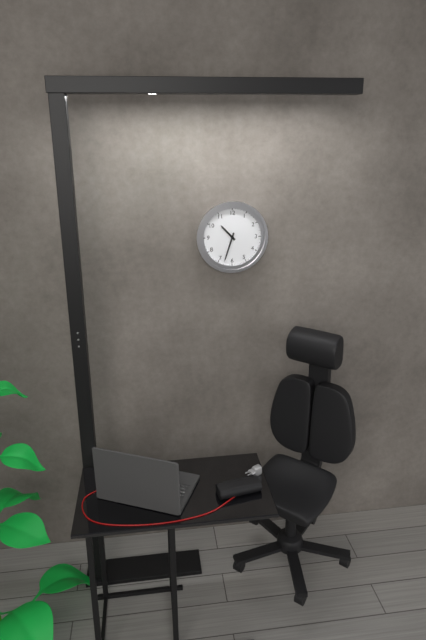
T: 10 h 33 min
